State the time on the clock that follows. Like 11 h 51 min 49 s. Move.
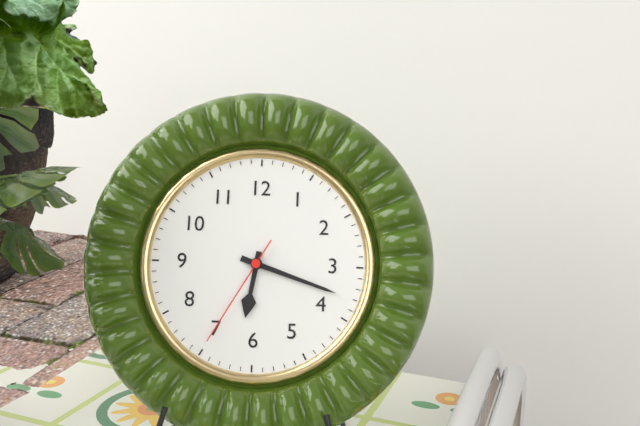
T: 6 h 18 min 35 s
